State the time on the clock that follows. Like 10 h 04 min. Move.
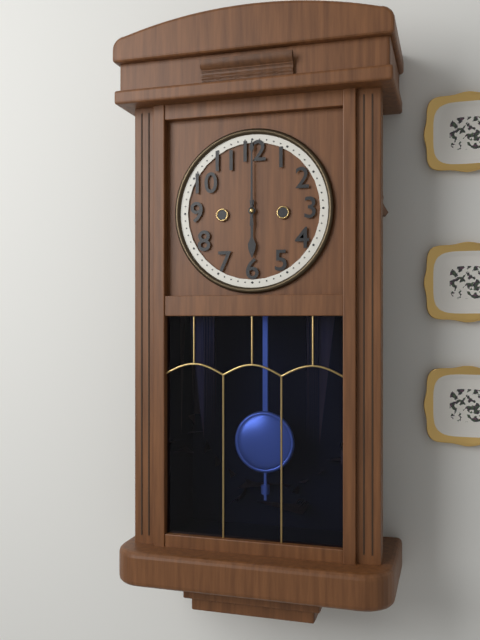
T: 6 h 00 min
